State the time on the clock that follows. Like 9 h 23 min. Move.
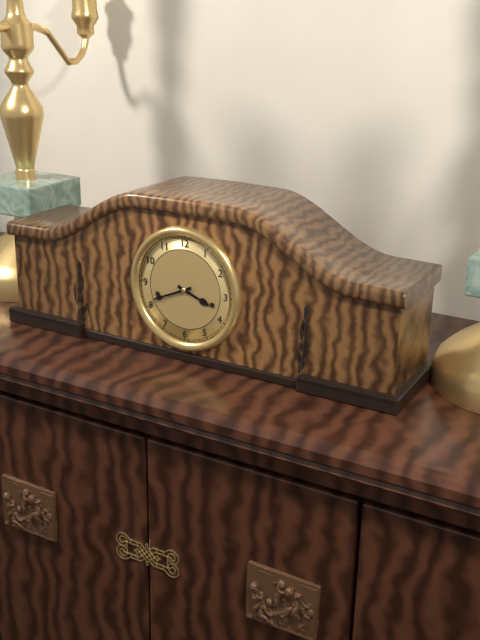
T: 3 h 41 min
